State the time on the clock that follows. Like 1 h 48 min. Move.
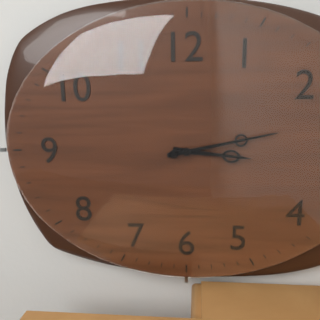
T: 3 h 13 min
